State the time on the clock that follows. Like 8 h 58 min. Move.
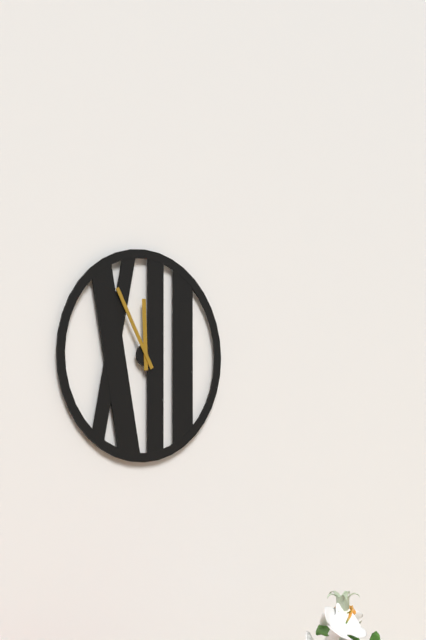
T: 11 h 55 min
